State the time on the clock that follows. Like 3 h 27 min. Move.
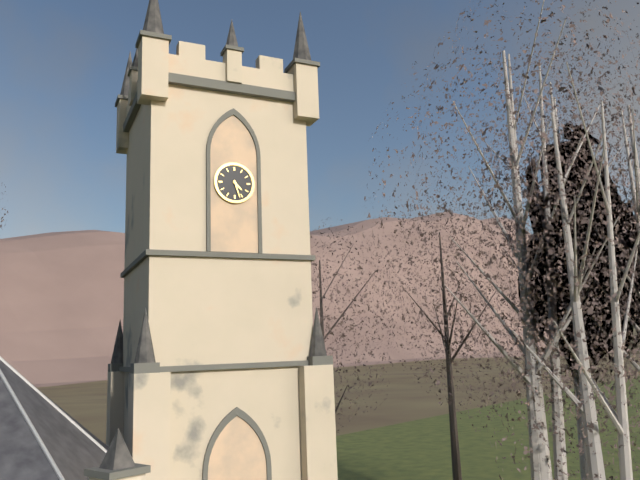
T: 4 h 27 min
